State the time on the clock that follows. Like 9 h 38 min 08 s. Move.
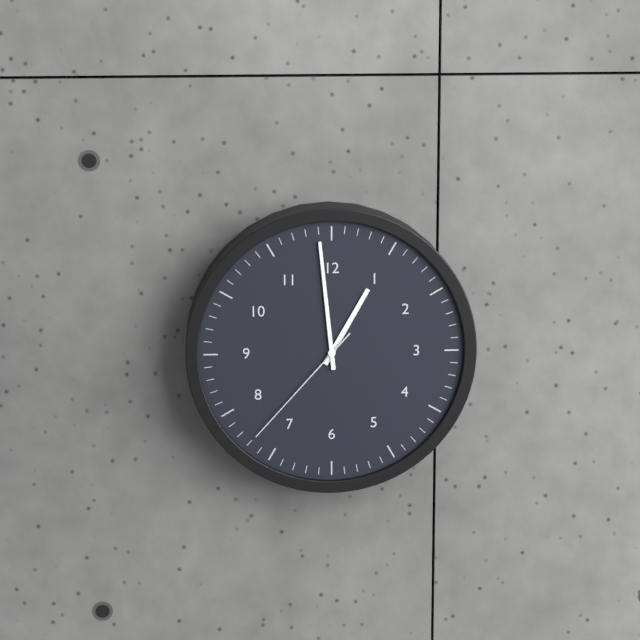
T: 12 h 59 min 37 s
